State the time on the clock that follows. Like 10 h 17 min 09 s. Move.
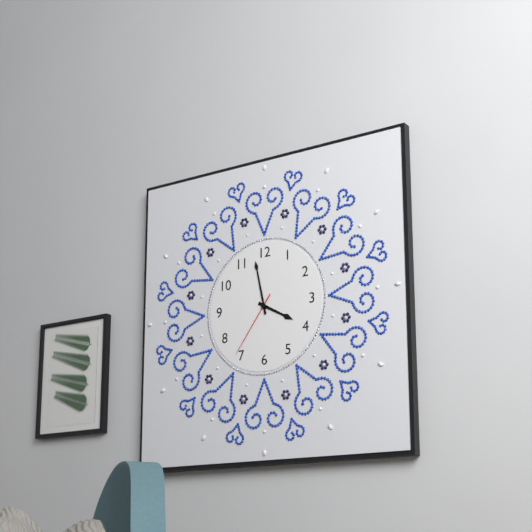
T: 3 h 58 min 36 s
